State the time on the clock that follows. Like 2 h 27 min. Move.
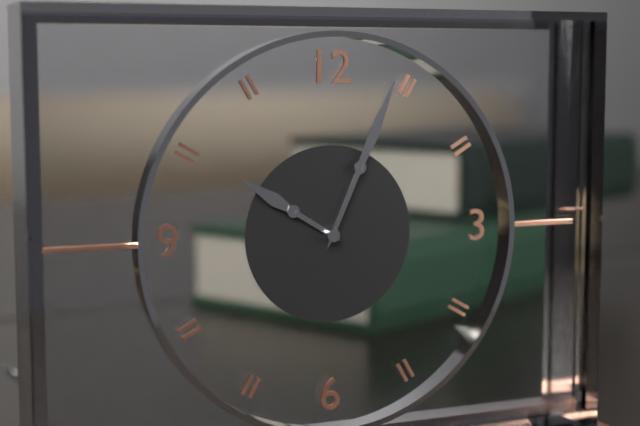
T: 10 h 04 min
